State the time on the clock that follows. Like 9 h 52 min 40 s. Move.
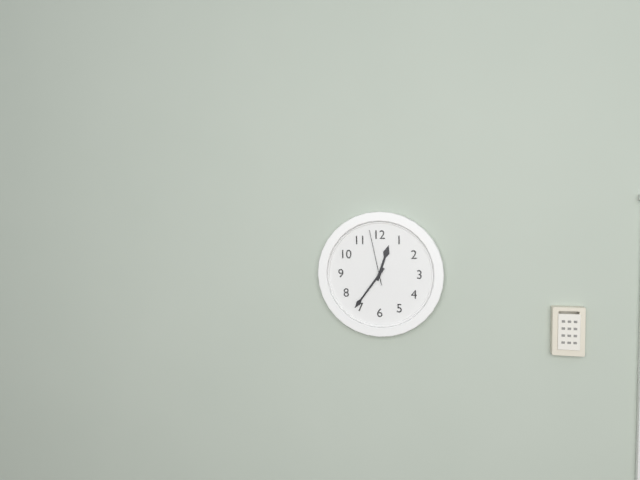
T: 12 h 36 min 58 s
